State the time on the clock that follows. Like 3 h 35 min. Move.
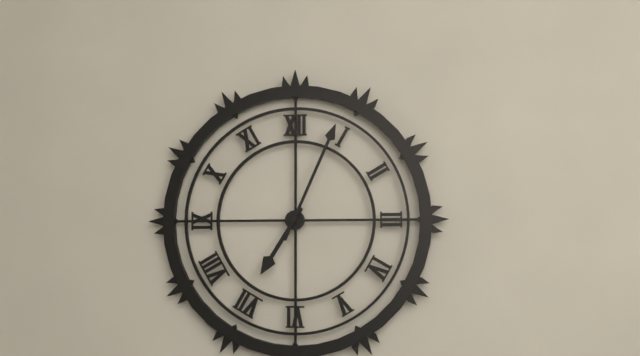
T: 7 h 04 min
